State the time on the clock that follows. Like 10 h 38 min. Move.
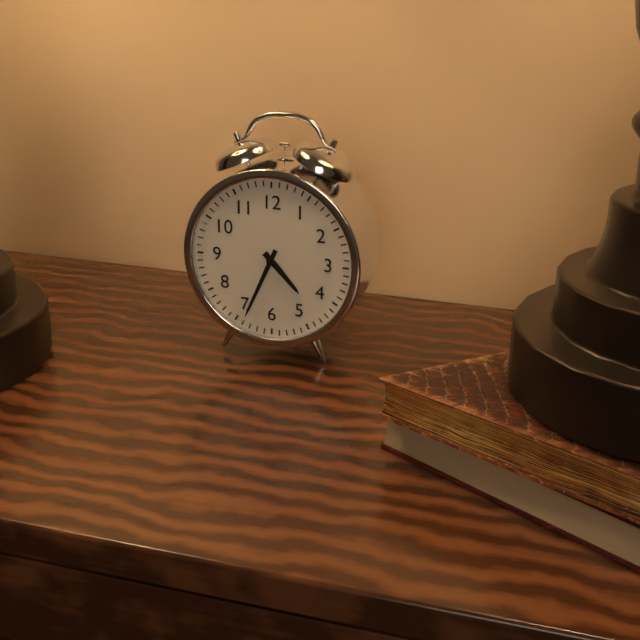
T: 4 h 34 min
